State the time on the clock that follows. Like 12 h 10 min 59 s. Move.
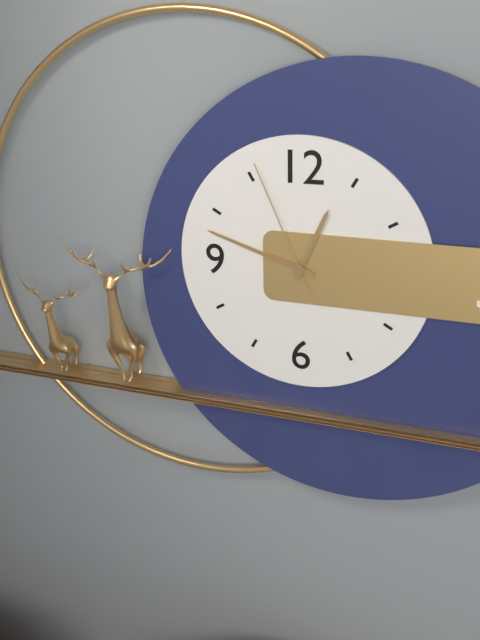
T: 12 h 48 min 56 s
